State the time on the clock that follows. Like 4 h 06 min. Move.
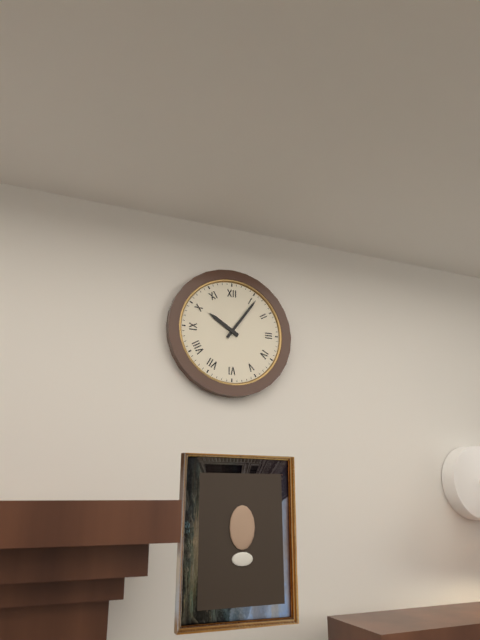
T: 10 h 06 min
